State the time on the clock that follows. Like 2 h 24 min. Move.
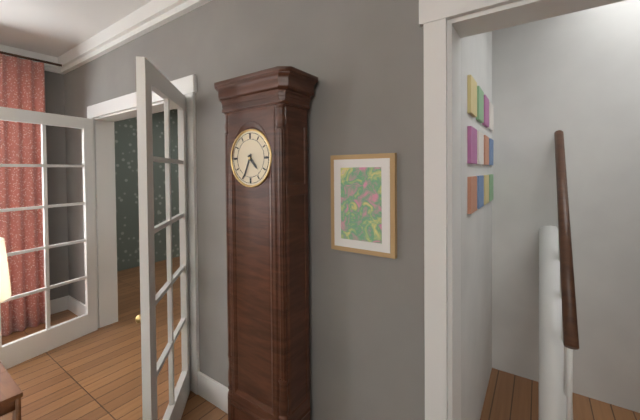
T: 4 h 34 min
